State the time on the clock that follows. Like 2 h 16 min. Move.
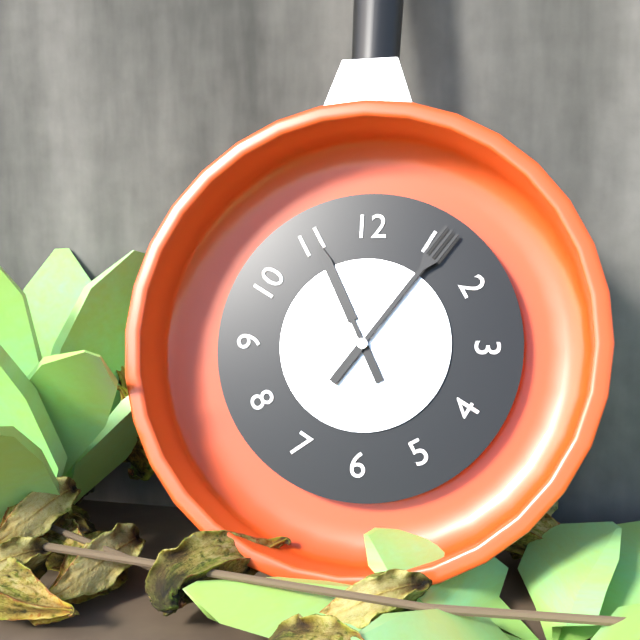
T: 11 h 06 min
